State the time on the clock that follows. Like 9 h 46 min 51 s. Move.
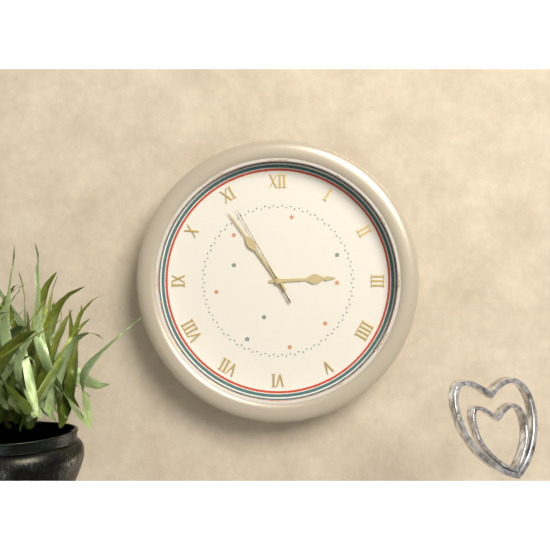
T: 2 h 54 min 55 s
